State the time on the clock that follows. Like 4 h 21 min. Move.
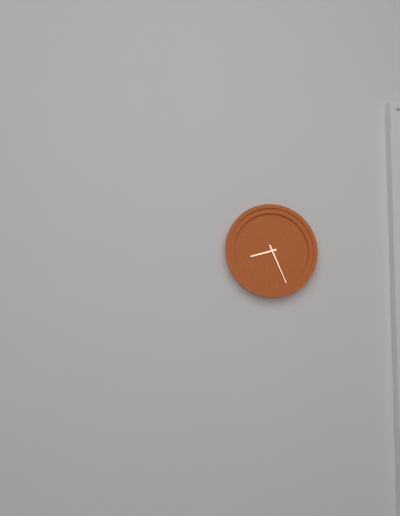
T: 8 h 26 min
